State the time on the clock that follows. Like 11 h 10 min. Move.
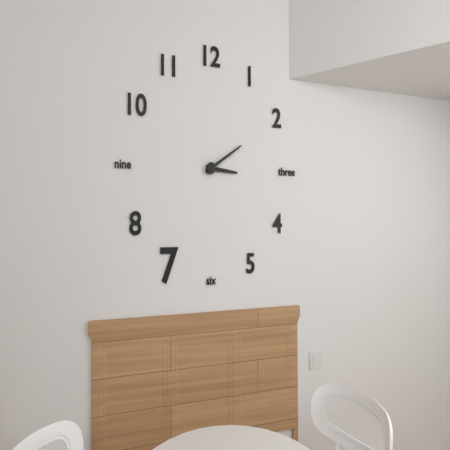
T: 3 h 10 min
